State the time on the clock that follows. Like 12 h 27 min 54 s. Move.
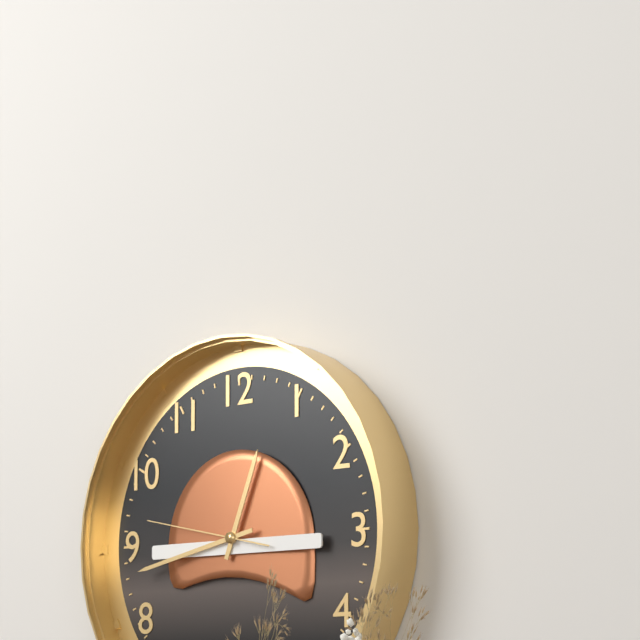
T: 12 h 43 min 47 s
